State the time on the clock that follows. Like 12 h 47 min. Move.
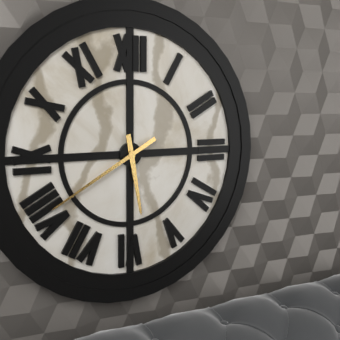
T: 5 h 40 min
